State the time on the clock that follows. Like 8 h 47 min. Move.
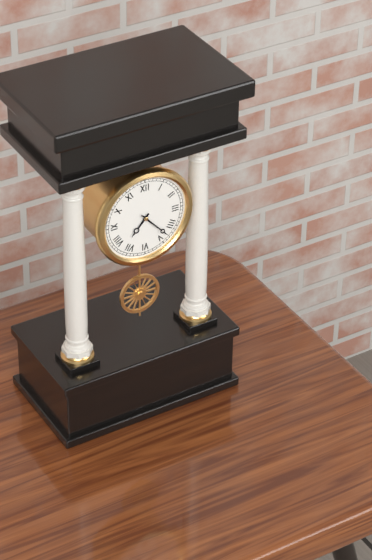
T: 7 h 23 min
